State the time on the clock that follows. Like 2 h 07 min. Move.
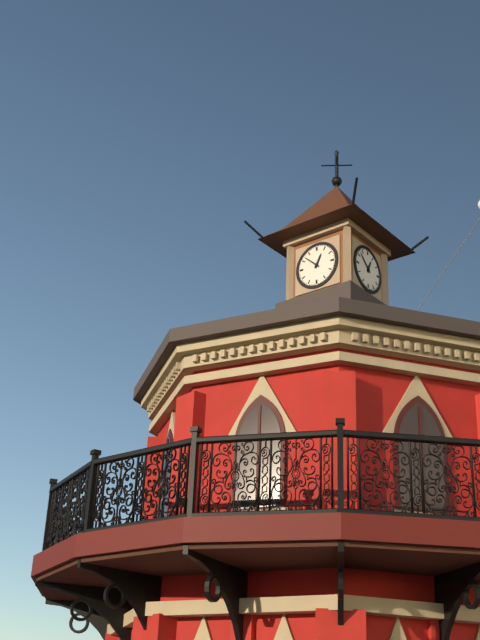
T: 12 h 52 min
